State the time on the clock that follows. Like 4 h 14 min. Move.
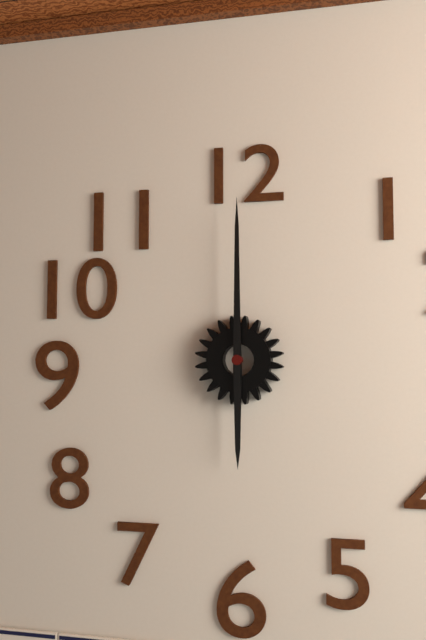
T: 6 h 00 min
